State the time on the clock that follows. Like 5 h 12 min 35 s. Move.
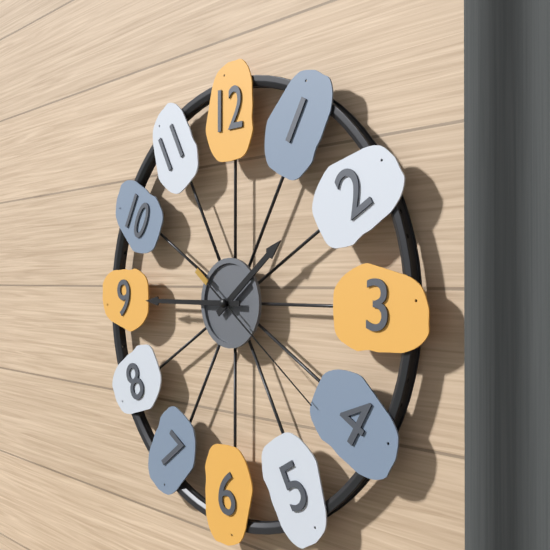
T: 1 h 45 min 21 s
